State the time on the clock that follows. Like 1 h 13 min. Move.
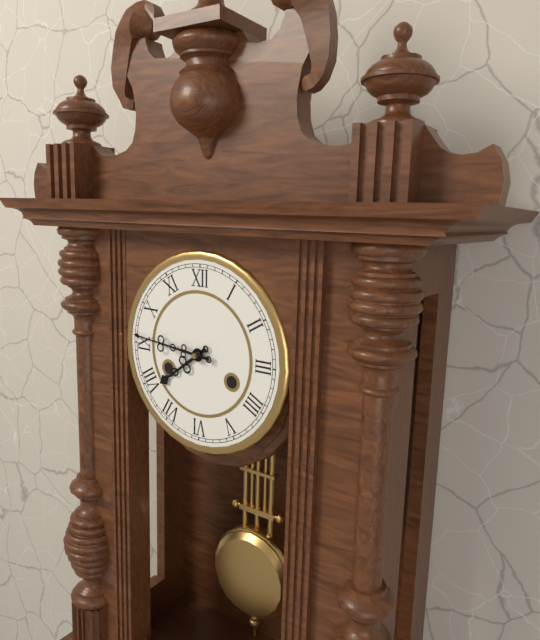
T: 7 h 46 min
